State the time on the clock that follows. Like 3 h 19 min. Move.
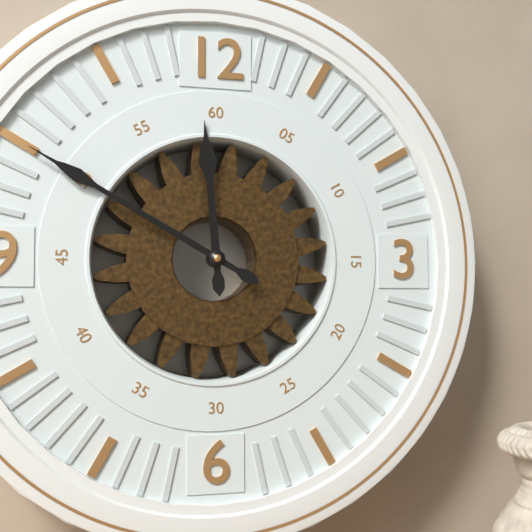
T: 11 h 50 min
